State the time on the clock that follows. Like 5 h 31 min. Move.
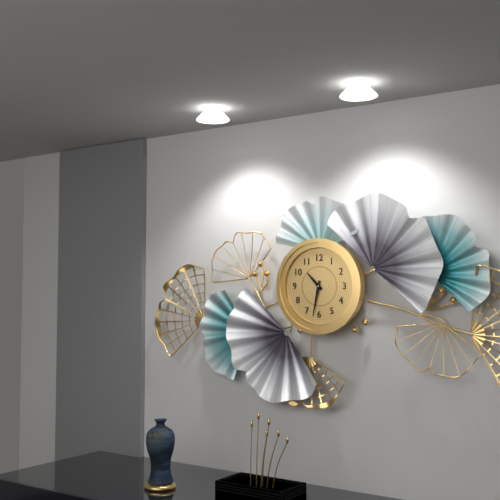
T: 10 h 32 min
